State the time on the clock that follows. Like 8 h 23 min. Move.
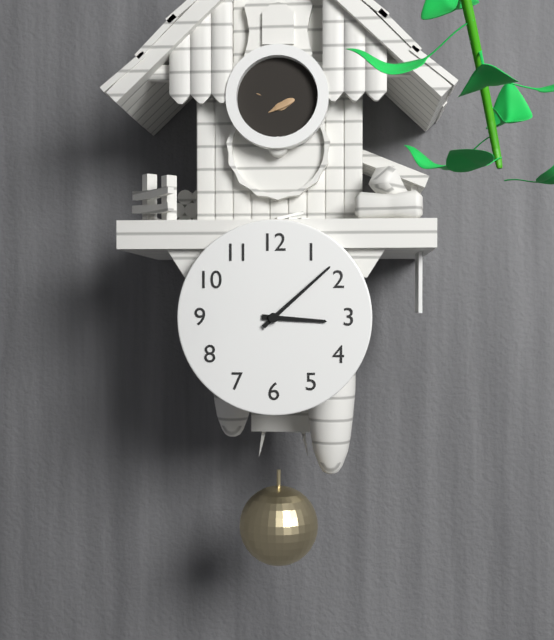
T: 3 h 08 min
